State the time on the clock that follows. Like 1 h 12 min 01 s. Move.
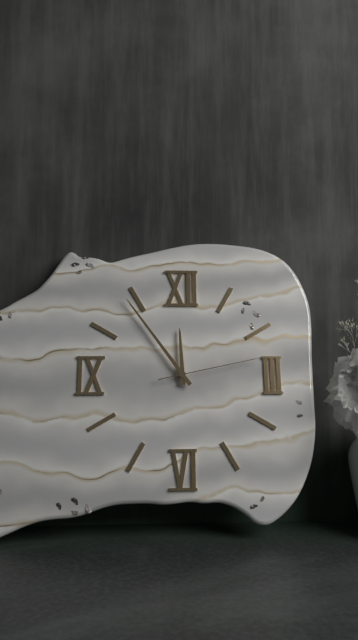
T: 11 h 54 min 13 s
